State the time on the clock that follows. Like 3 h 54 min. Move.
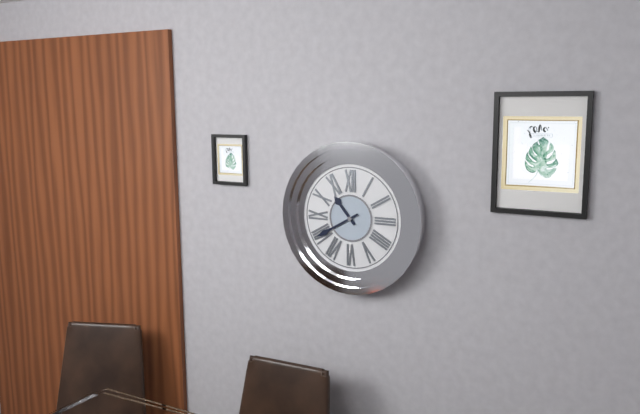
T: 10 h 40 min
